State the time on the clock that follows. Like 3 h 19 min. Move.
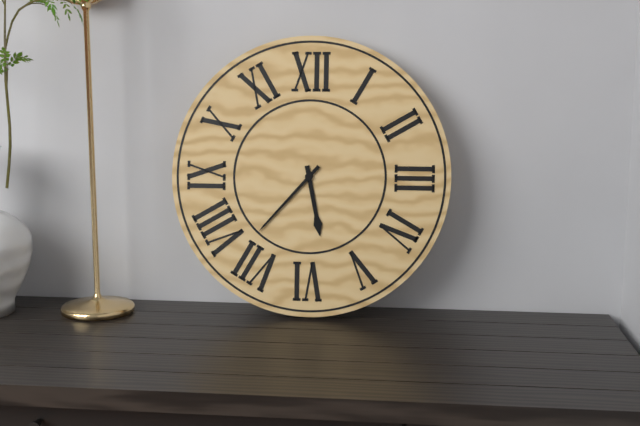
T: 5 h 37 min
